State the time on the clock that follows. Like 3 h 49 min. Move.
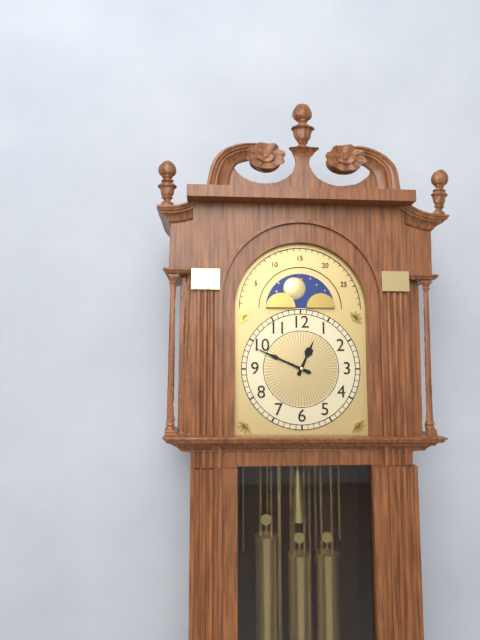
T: 12 h 49 min
